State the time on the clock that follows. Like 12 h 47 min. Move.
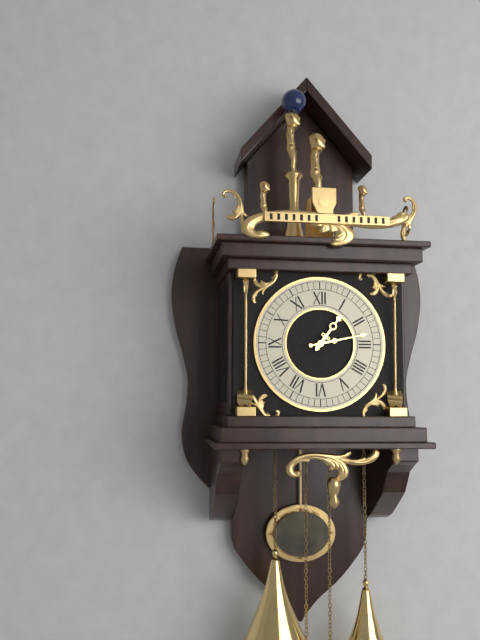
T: 1 h 13 min
